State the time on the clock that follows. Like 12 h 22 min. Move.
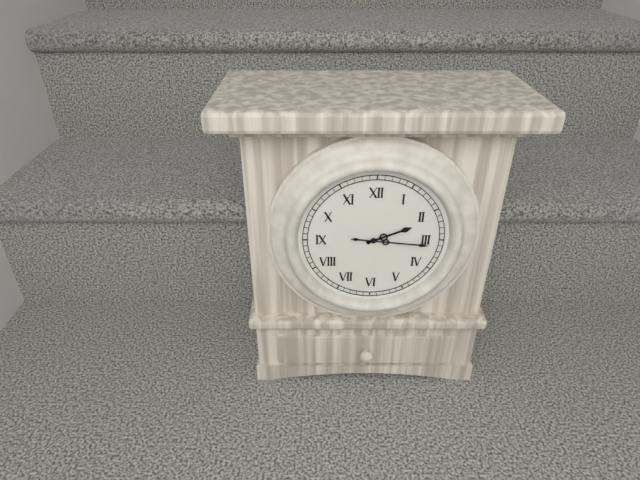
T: 2 h 16 min
